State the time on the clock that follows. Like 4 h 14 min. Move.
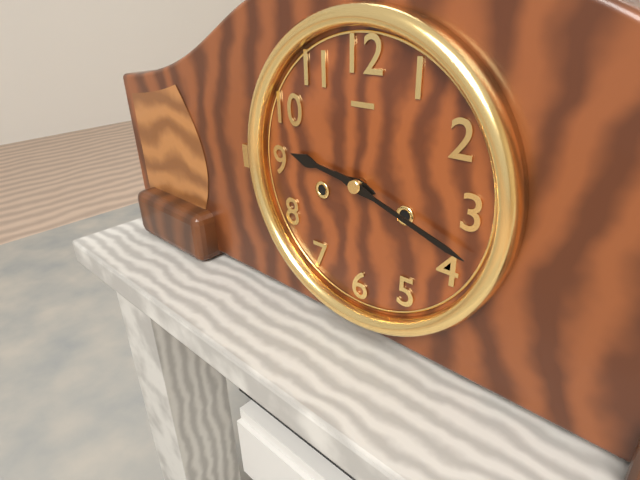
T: 9 h 18 min
